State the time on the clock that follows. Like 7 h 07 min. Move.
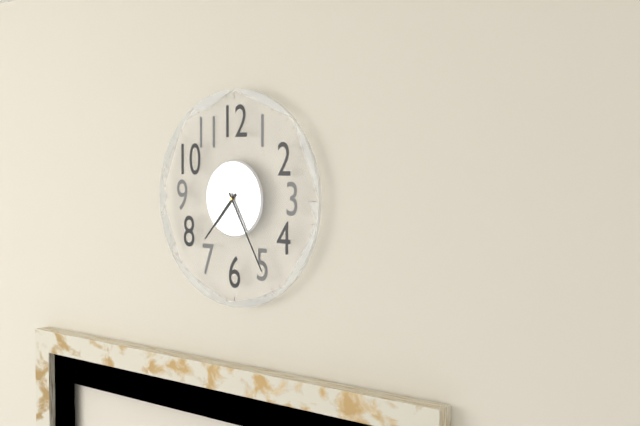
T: 7 h 25 min
